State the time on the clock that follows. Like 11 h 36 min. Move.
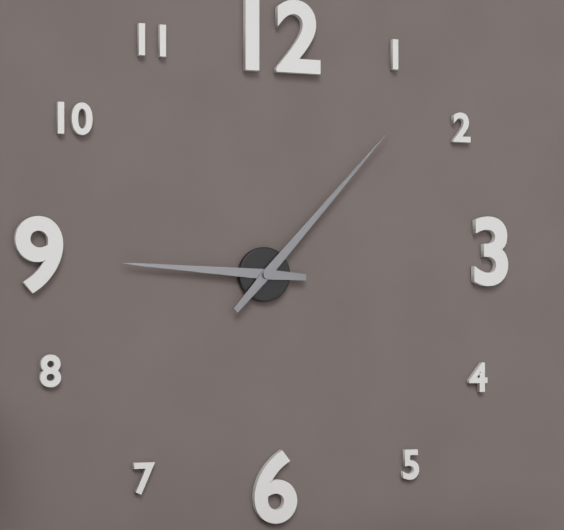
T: 9 h 07 min
